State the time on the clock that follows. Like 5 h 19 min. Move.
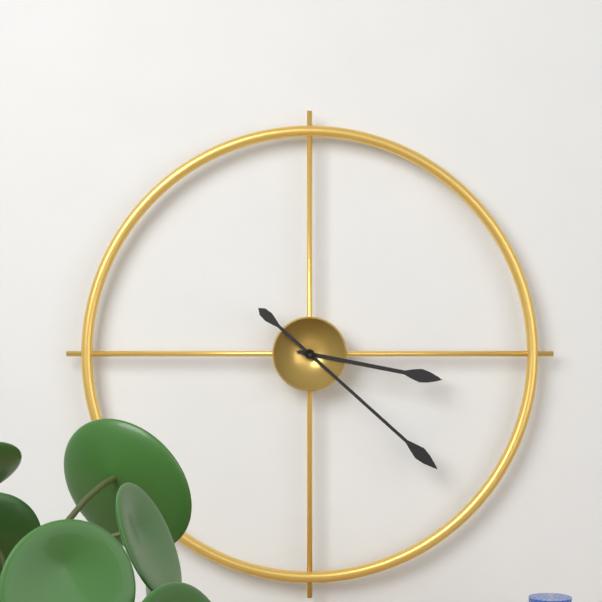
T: 3 h 22 min
